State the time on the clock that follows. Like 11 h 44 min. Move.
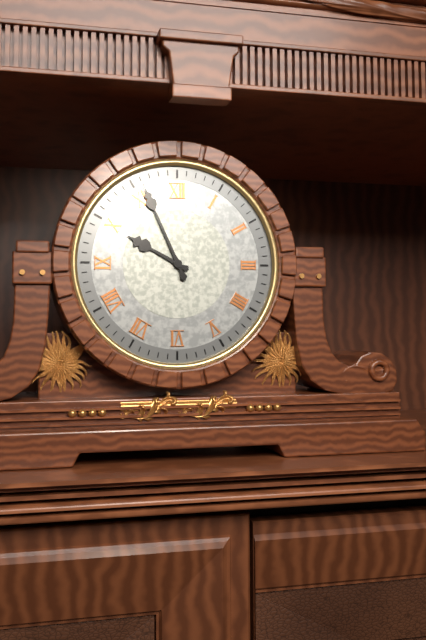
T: 9 h 56 min
